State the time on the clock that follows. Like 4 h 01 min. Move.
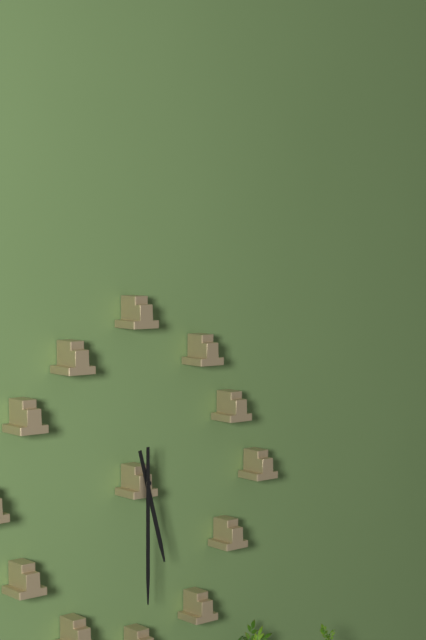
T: 5 h 30 min
